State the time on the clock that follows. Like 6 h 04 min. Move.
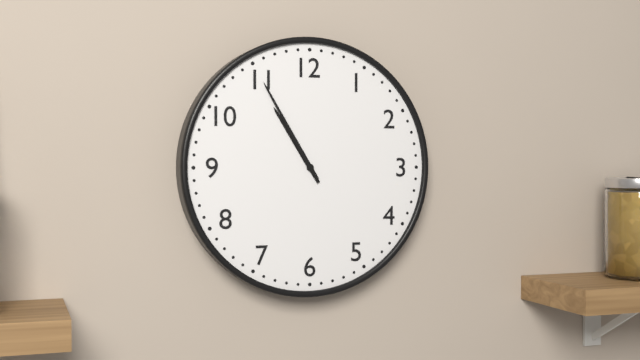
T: 10 h 55 min
